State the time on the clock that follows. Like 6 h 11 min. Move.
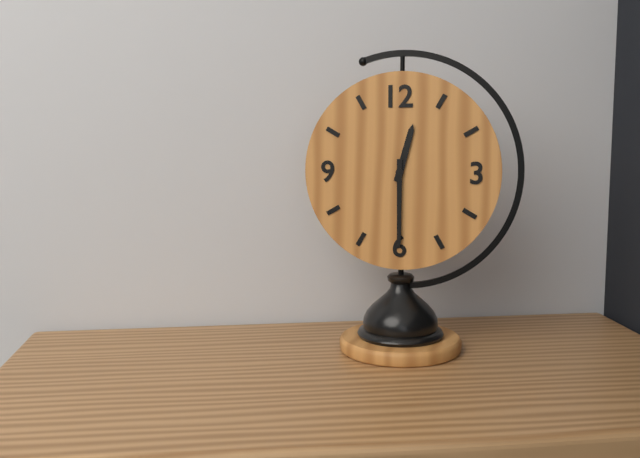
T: 12 h 30 min
